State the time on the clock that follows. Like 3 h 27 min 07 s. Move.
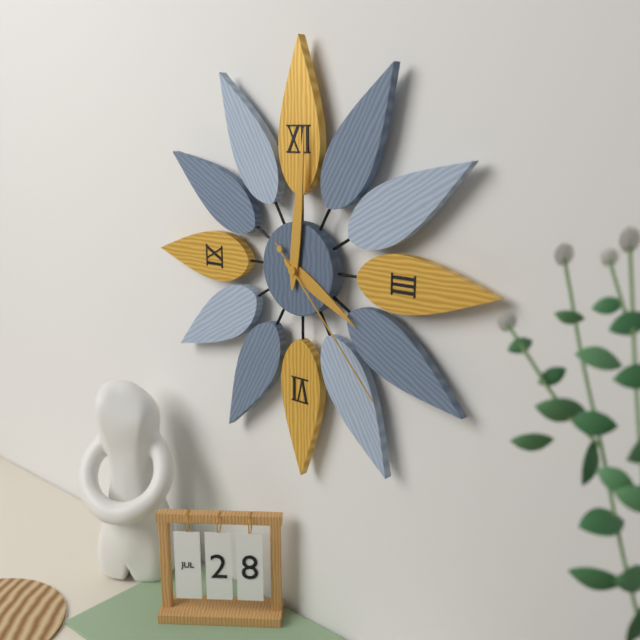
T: 4 h 01 min 23 s
